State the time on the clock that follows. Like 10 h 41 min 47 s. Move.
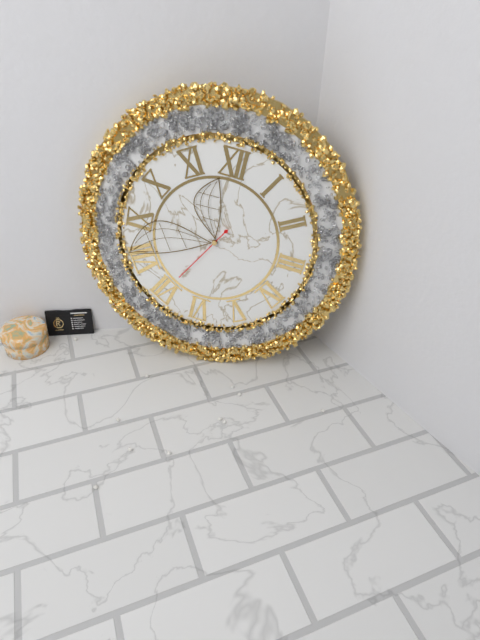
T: 11 h 41 min 35 s
